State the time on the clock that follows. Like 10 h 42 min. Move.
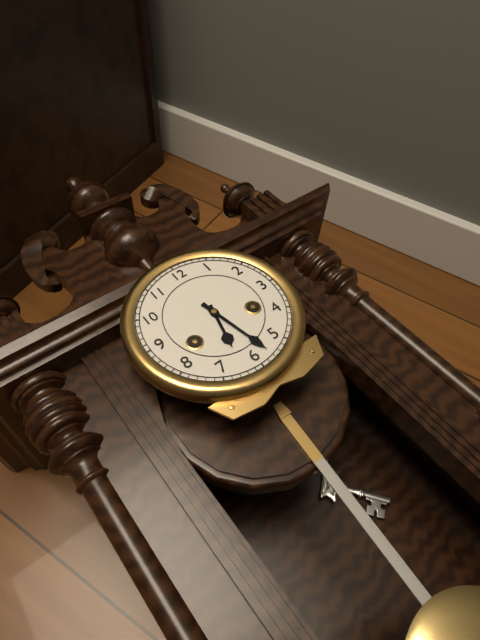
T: 6 h 28 min
